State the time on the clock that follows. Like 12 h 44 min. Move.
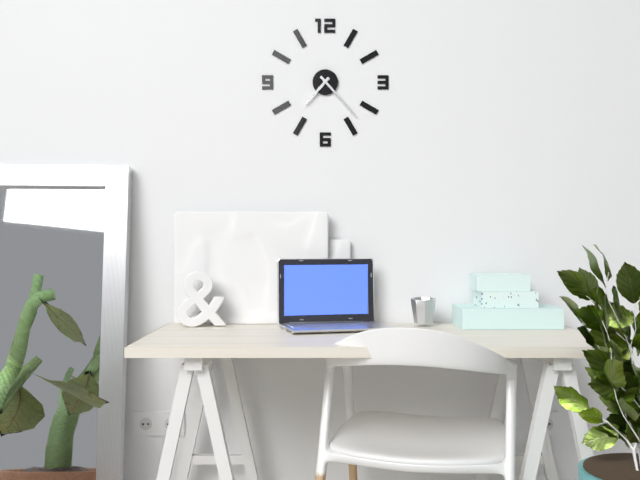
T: 7 h 23 min
